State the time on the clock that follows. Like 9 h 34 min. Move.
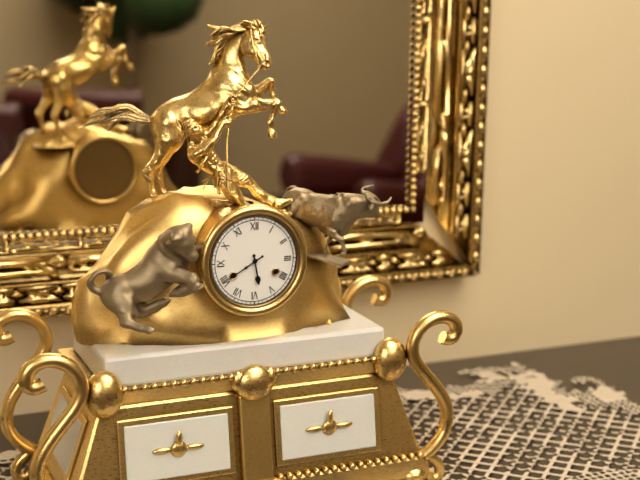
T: 5 h 40 min
